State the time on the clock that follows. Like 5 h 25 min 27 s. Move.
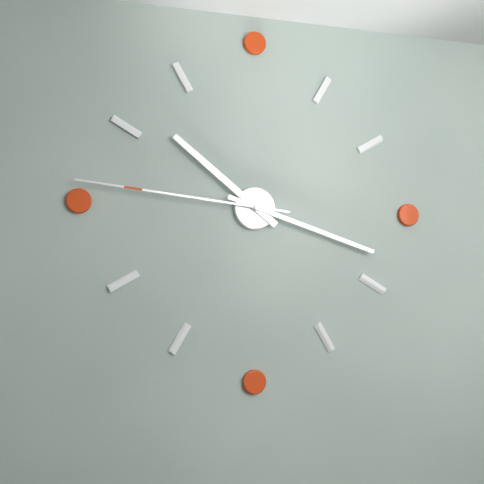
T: 10 h 18 min 46 s
